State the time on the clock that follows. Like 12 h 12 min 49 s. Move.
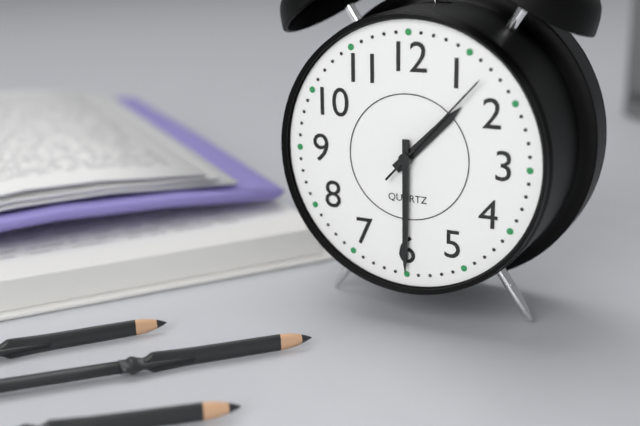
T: 1 h 30 min 07 s
